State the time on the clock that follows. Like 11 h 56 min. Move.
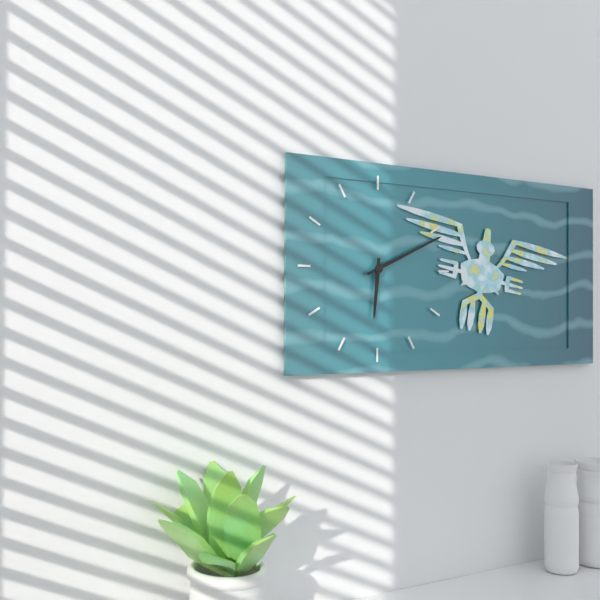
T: 6 h 11 min
